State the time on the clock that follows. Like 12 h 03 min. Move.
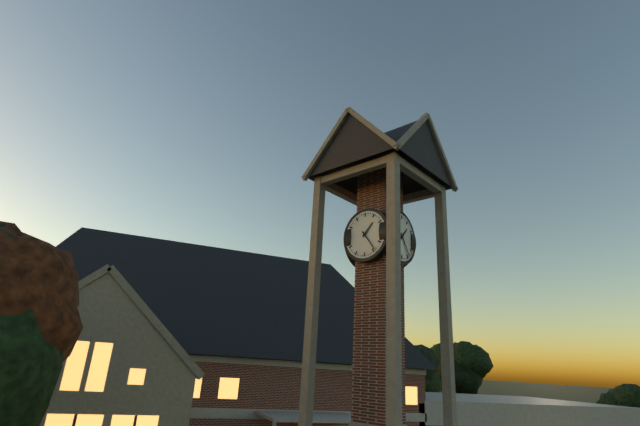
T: 1 h 24 min
